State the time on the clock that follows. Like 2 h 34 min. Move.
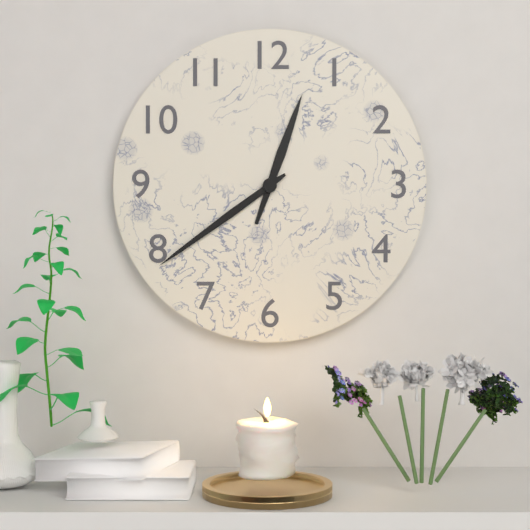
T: 12 h 39 min
